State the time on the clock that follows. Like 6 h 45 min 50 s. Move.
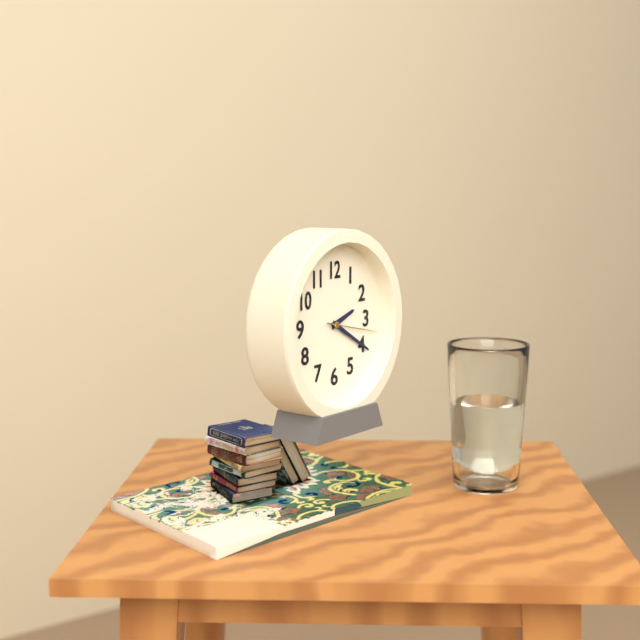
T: 2 h 20 min 17 s
